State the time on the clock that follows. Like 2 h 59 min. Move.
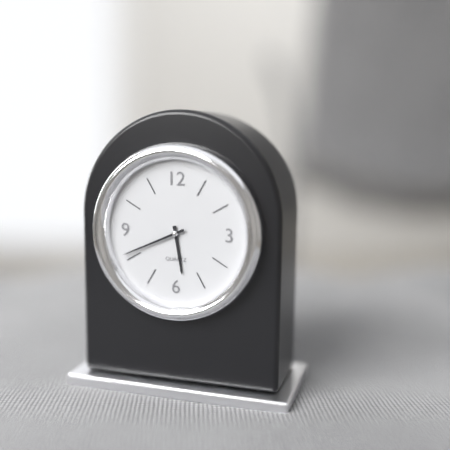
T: 5 h 41 min
